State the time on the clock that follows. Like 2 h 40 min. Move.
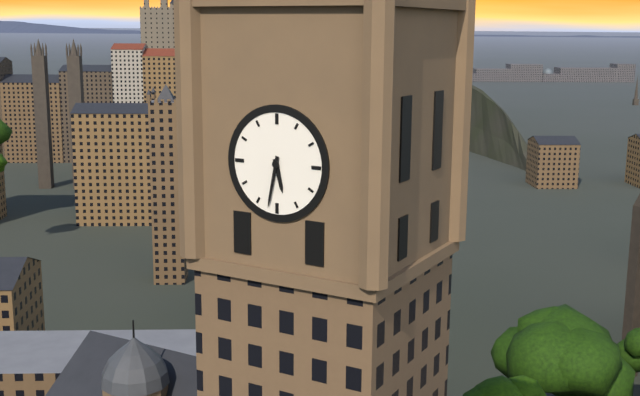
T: 5 h 32 min
